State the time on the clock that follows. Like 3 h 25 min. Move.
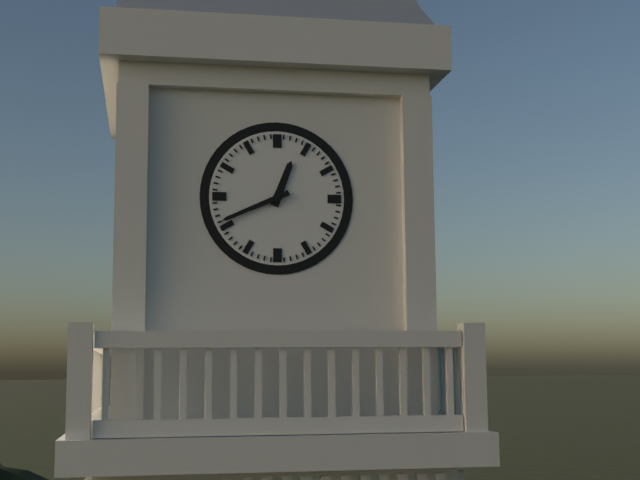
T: 12 h 41 min
